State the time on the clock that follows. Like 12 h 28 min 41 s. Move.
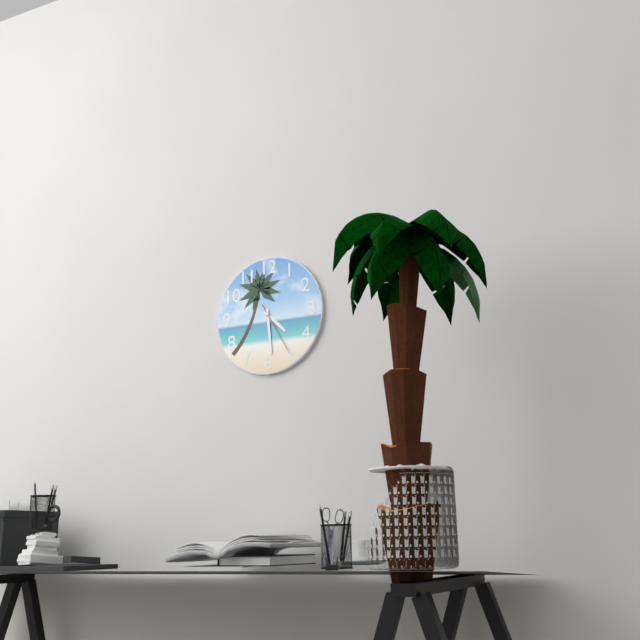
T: 4 h 29 min 25 s
